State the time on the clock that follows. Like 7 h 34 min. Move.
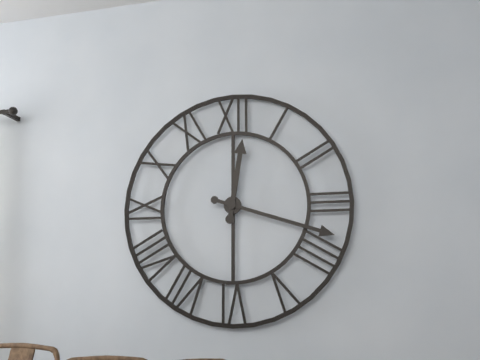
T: 12 h 18 min
